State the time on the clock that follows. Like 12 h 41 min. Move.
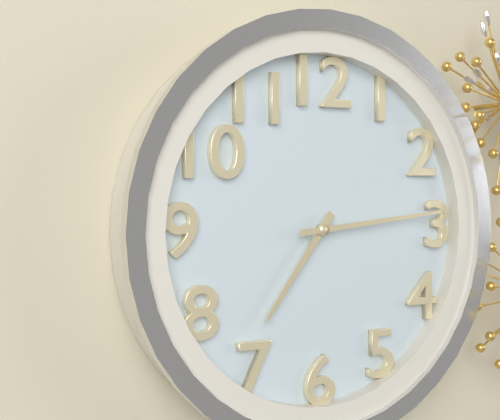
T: 7 h 14 min
